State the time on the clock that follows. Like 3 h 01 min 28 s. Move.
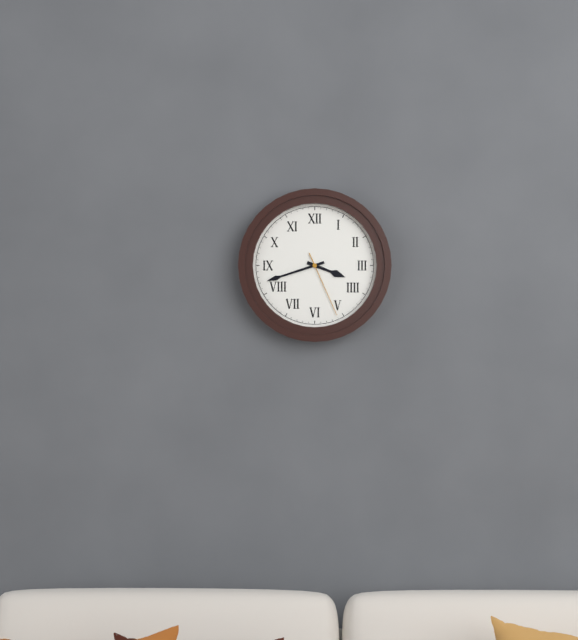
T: 3 h 42 min 26 s
